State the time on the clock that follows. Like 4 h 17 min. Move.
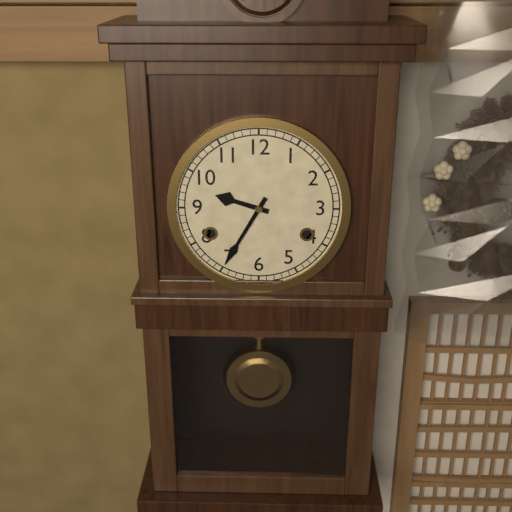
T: 9 h 35 min
